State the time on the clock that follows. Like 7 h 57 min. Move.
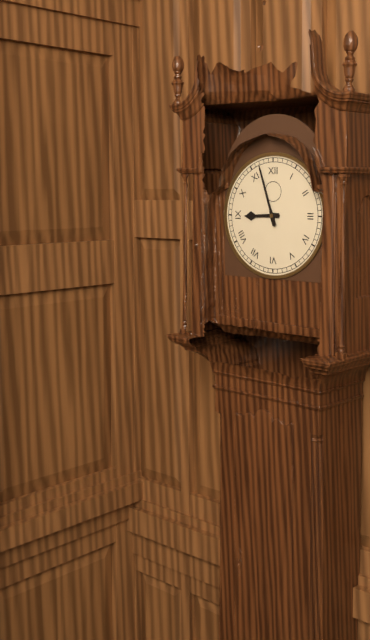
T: 8 h 57 min
